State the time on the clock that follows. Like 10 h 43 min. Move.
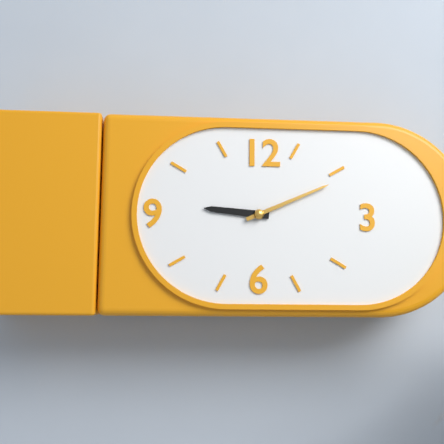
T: 9 h 11 min
